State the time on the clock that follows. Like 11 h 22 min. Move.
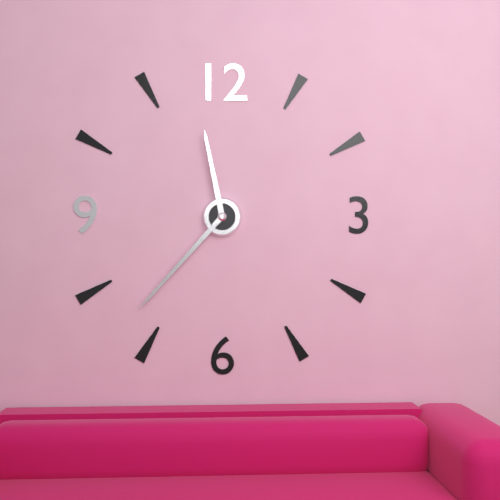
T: 11 h 37 min
